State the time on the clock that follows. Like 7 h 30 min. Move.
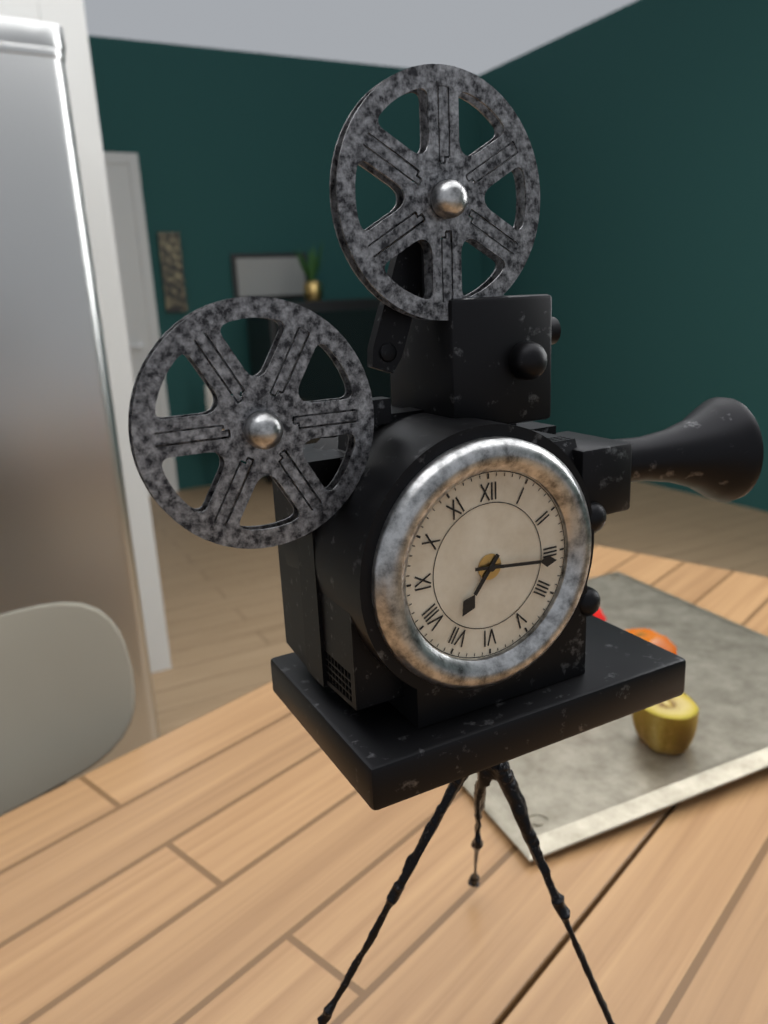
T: 7 h 16 min
